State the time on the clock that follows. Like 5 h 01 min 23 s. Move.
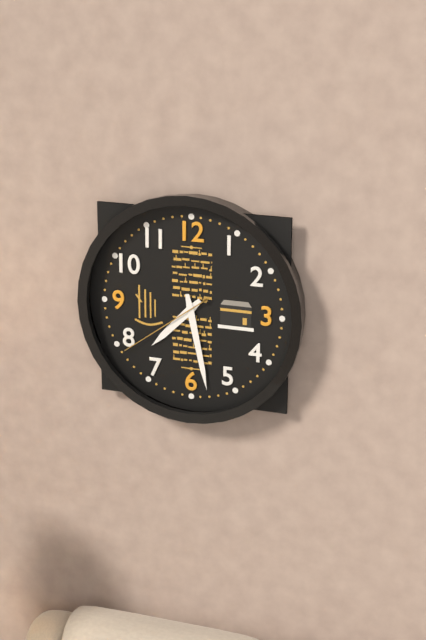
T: 7 h 28 min 39 s
